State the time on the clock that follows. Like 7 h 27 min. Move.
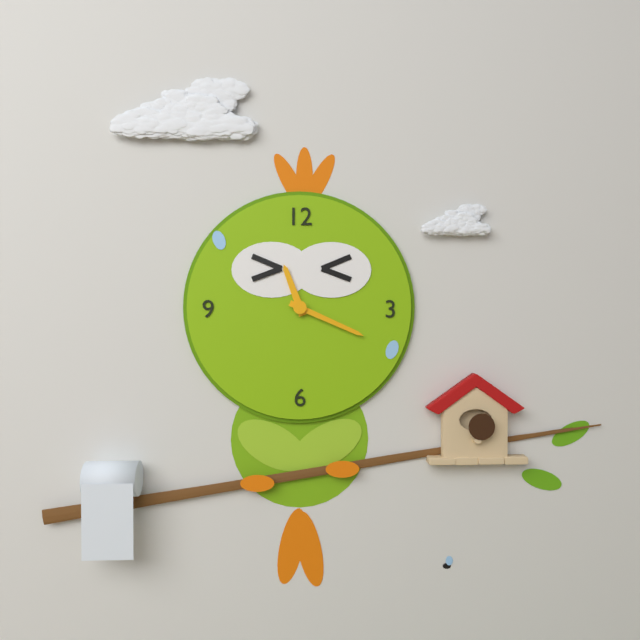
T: 11 h 19 min
